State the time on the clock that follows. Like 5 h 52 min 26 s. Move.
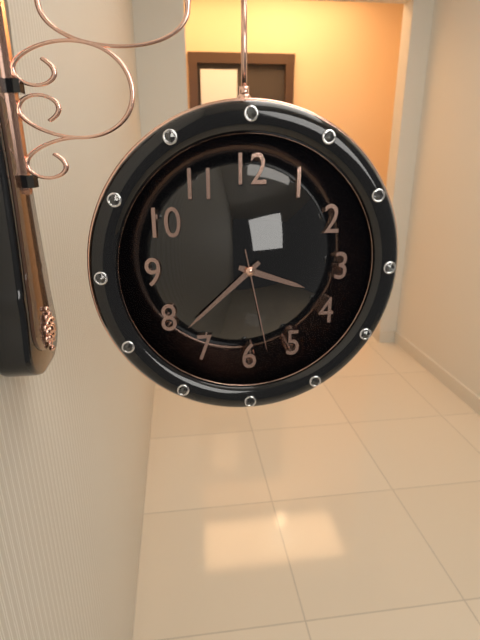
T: 3 h 38 min 28 s
